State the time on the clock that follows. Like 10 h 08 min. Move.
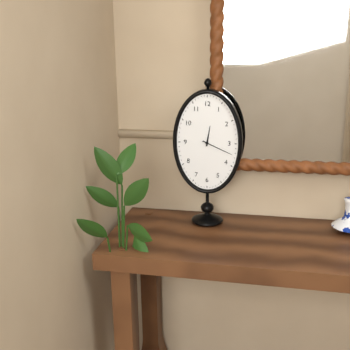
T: 12 h 19 min
